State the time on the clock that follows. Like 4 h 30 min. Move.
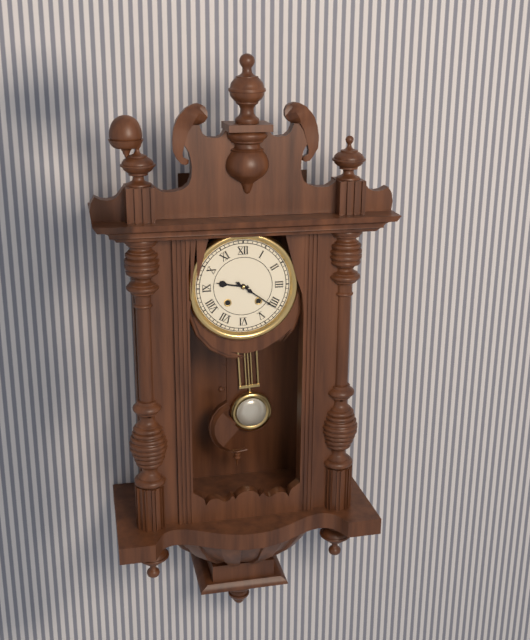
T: 9 h 21 min
